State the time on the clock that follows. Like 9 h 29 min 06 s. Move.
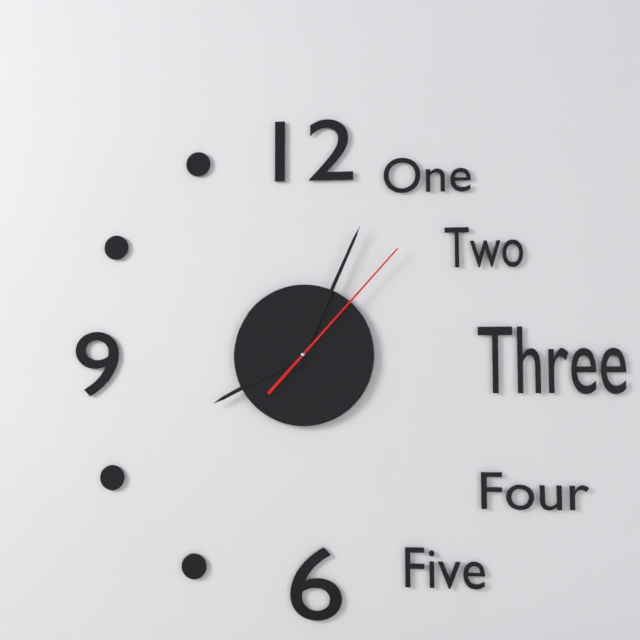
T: 8 h 04 min 07 s
